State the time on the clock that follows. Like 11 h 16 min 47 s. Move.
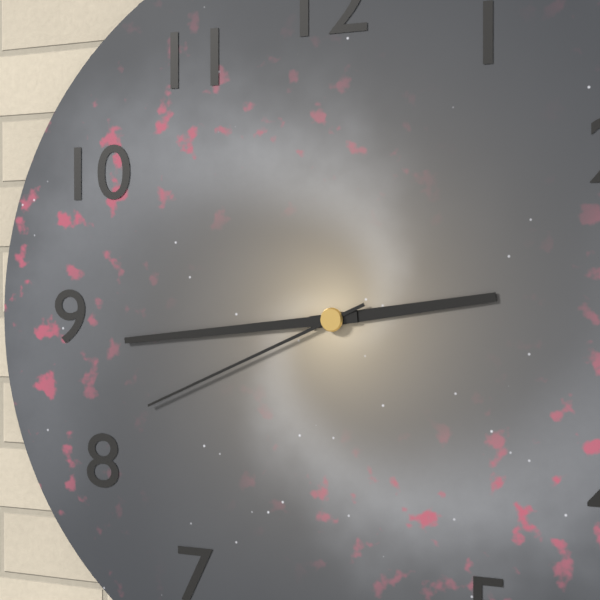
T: 2 h 44 min 41 s
